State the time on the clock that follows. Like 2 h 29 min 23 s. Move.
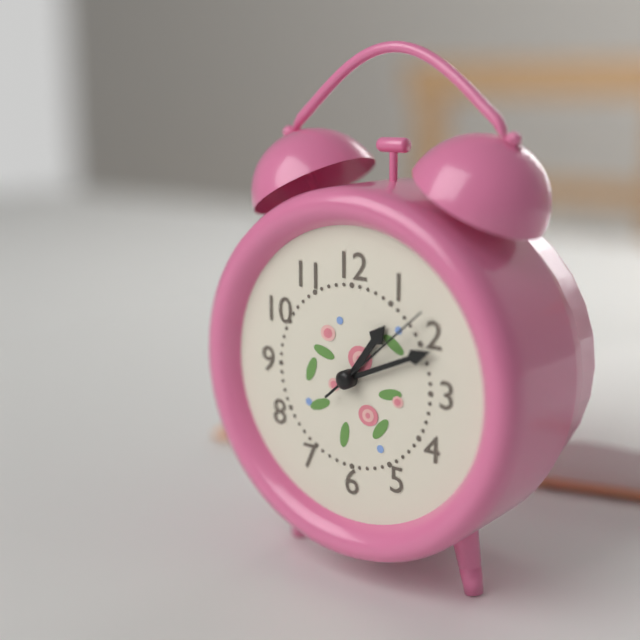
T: 1 h 11 min 08 s
